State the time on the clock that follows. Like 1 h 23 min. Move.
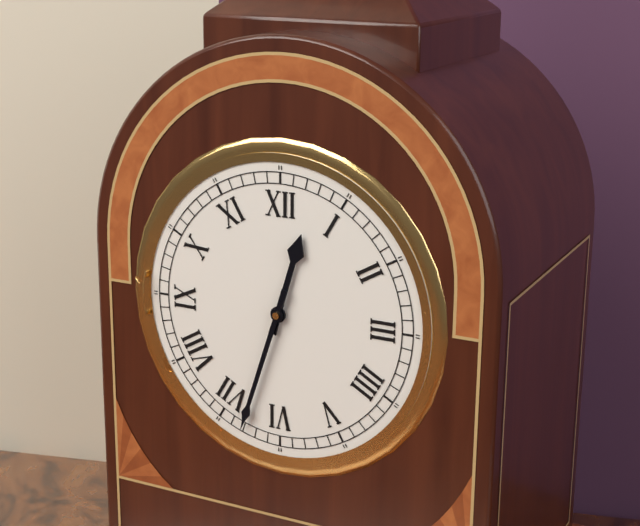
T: 12 h 33 min
